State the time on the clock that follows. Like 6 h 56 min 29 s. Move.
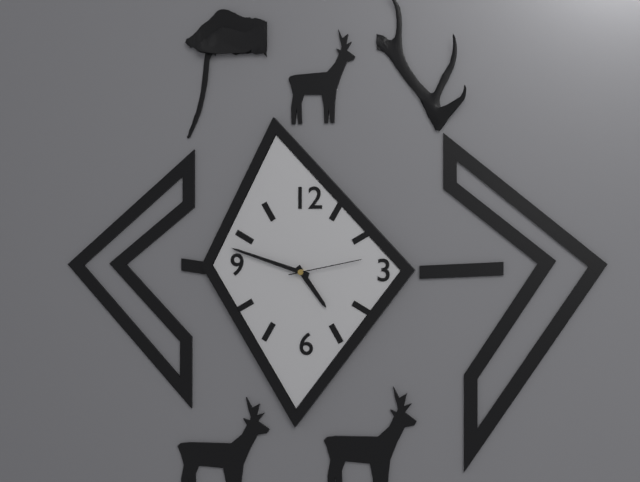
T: 4 h 48 min 13 s
